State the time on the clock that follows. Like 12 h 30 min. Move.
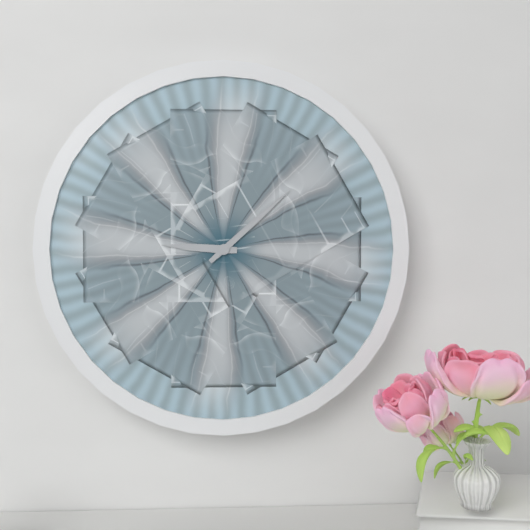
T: 9 h 08 min
